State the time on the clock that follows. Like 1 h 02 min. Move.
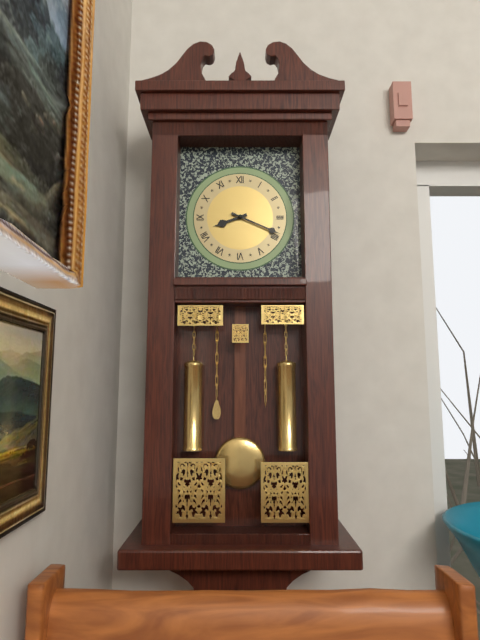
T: 8 h 19 min
